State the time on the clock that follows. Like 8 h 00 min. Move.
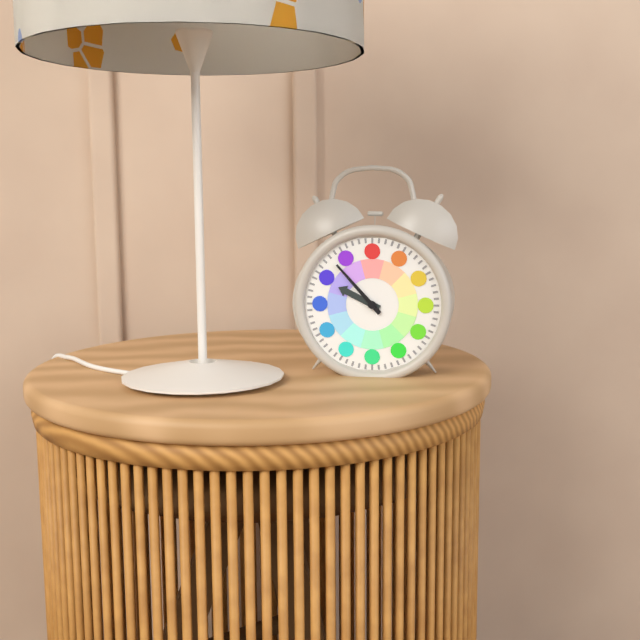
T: 9 h 53 min
